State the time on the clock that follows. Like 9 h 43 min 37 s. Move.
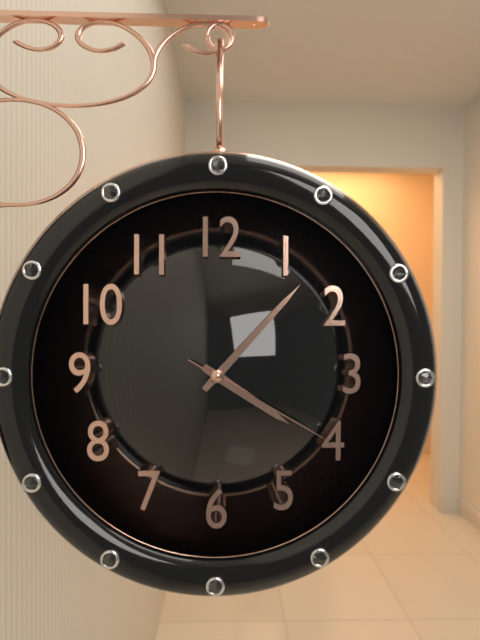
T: 4 h 07 min 20 s
